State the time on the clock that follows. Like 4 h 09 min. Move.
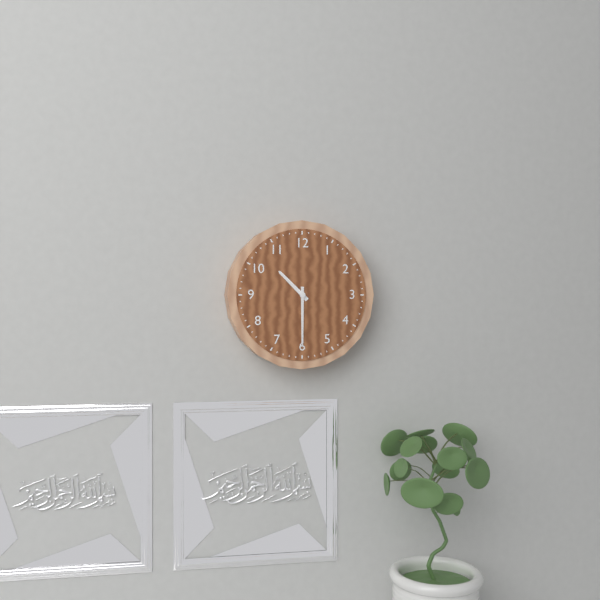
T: 10 h 30 min
